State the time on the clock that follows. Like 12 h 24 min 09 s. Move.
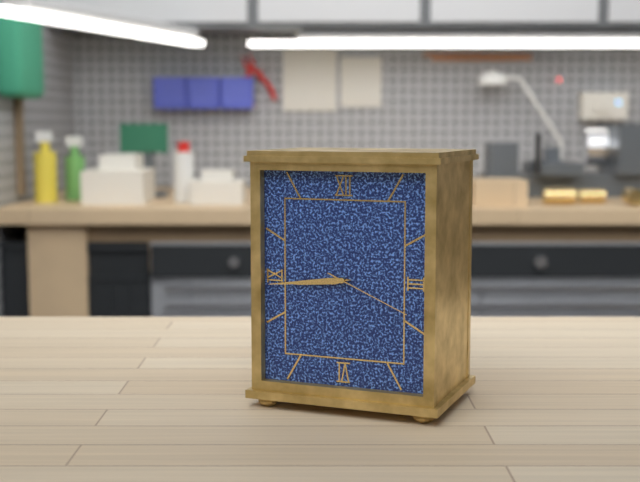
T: 8 h 44 min 19 s
